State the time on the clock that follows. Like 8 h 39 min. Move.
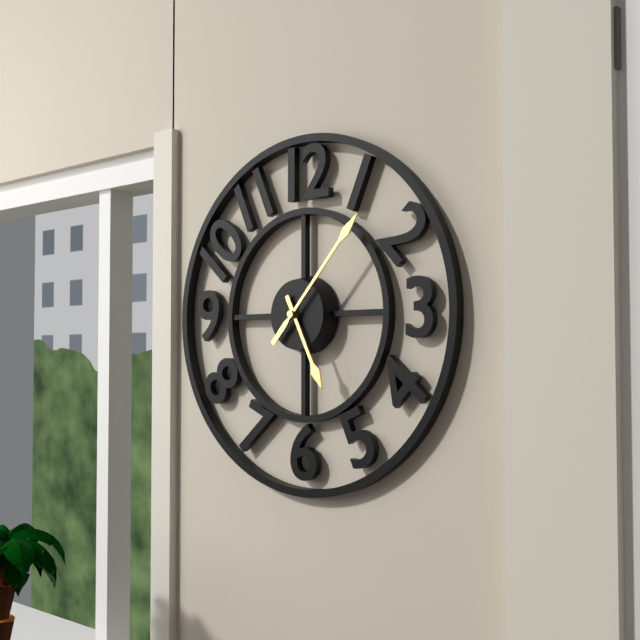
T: 5 h 07 min
